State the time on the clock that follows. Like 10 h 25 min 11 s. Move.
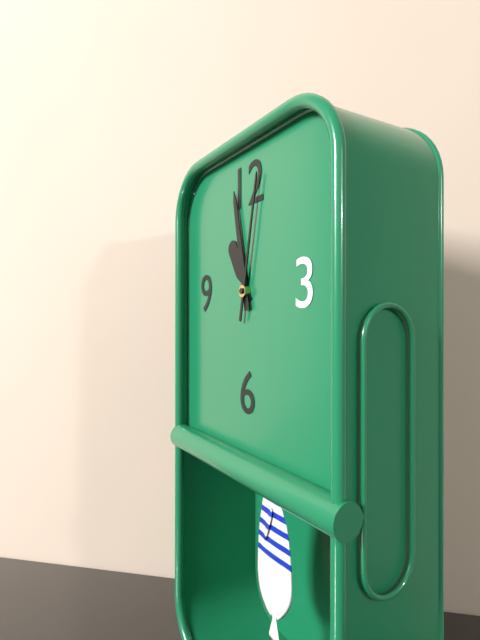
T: 10 h 58 min 02 s
